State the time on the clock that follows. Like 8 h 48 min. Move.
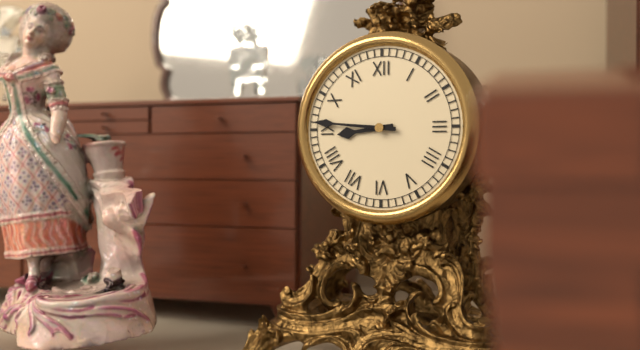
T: 8 h 46 min
